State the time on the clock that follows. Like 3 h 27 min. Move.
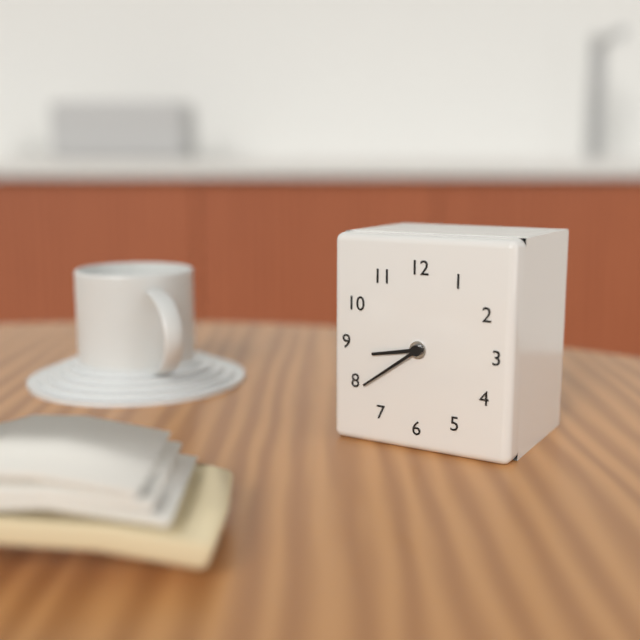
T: 8 h 39 min
